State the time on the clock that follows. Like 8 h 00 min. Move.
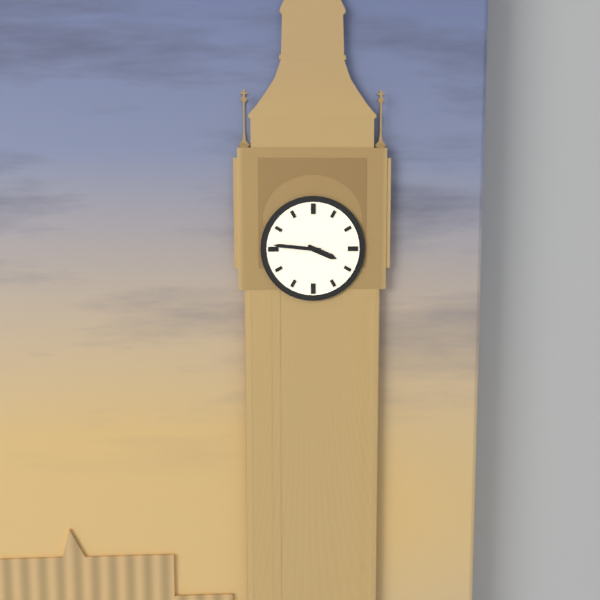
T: 3 h 46 min
